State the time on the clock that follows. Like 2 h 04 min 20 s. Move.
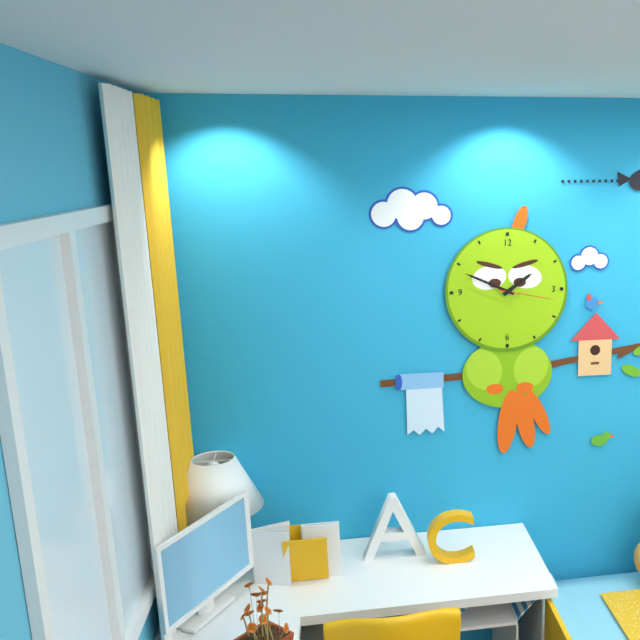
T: 1 h 49 min 17 s
